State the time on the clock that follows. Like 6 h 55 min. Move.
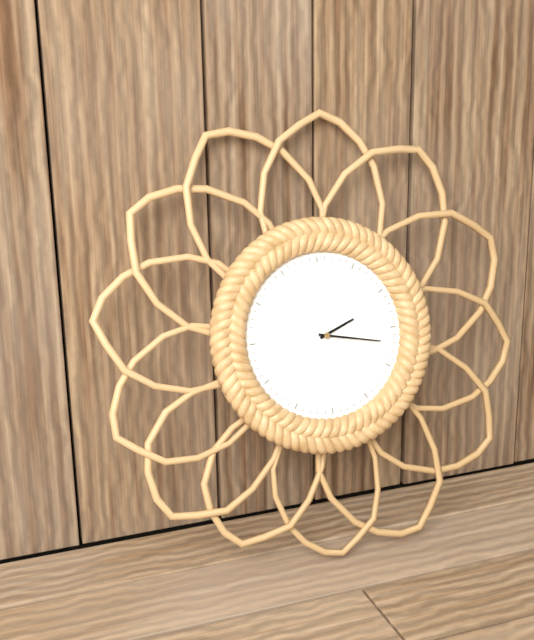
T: 2 h 17 min
